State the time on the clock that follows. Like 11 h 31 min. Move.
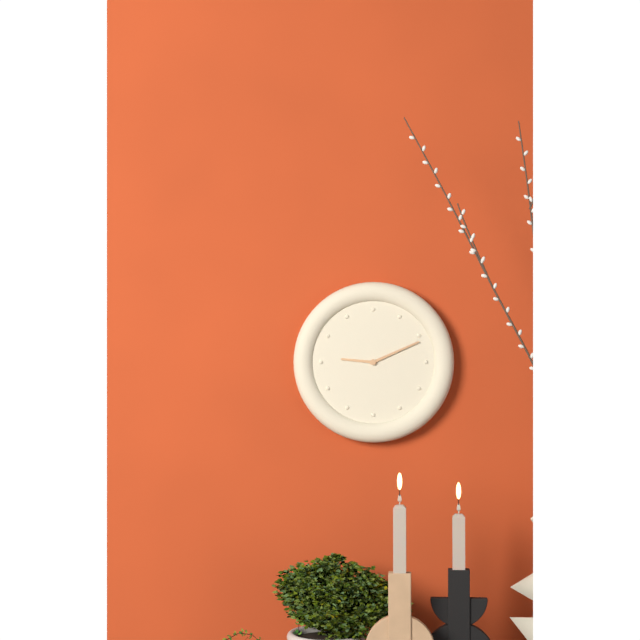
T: 9 h 11 min
